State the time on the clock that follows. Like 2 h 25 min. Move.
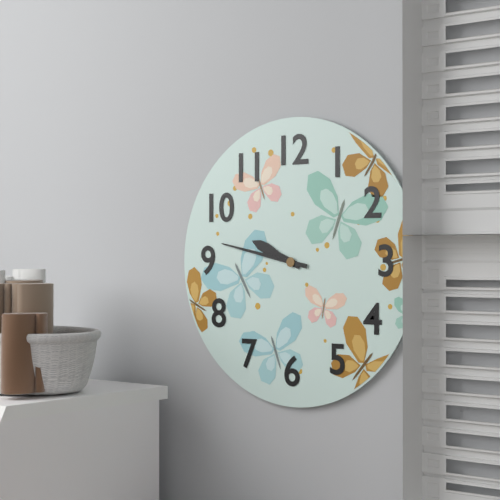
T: 9 h 47 min
